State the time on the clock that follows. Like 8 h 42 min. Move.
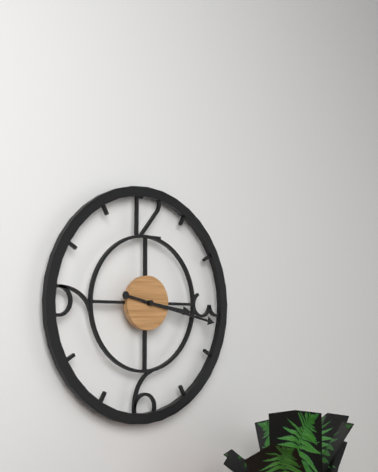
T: 3 h 17 min
